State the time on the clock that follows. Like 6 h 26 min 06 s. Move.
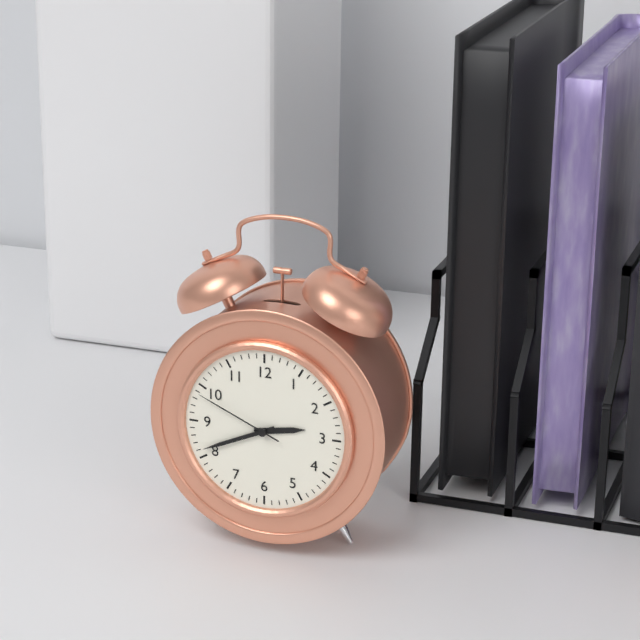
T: 2 h 41 min 49 s
